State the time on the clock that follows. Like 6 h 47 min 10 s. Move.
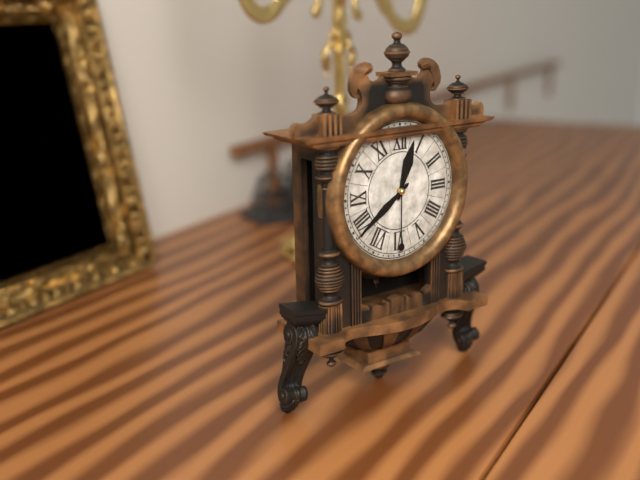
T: 12 h 39 min 30 s
